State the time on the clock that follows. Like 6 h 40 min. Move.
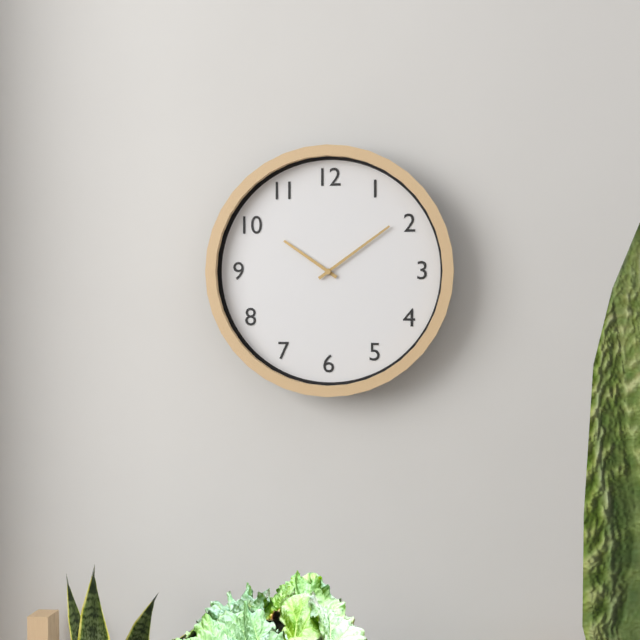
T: 10 h 09 min
